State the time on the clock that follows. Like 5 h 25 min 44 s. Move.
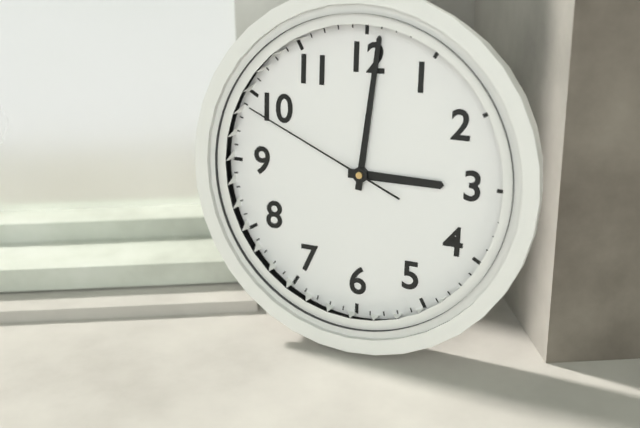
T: 3 h 01 min 49 s
